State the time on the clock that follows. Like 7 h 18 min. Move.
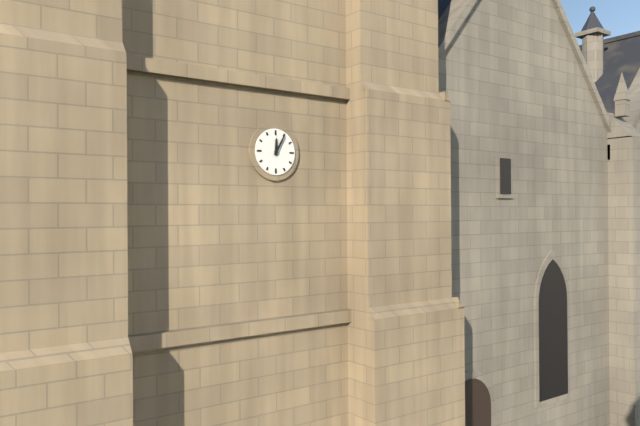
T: 12 h 05 min
